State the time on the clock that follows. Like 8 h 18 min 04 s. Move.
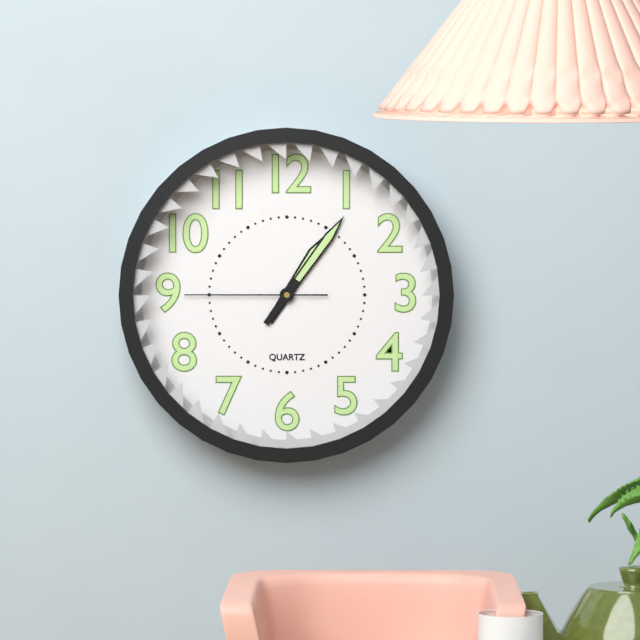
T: 1 h 06 min 45 s
